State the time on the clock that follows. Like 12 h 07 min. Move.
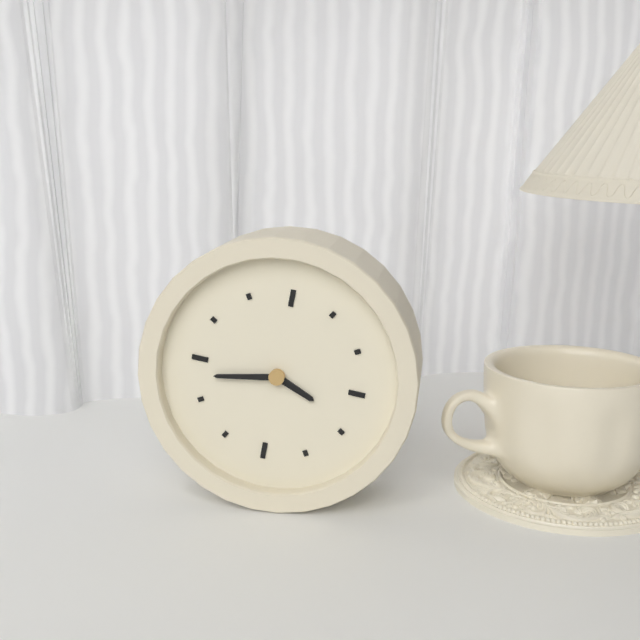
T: 3 h 43 min
